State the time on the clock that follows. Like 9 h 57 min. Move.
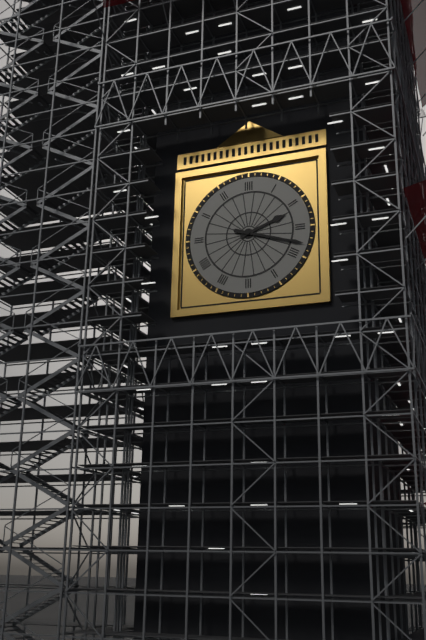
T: 2 h 18 min
